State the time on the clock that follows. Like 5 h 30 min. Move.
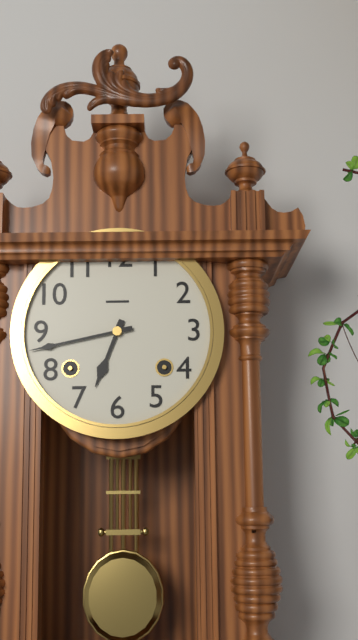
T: 6 h 43 min
